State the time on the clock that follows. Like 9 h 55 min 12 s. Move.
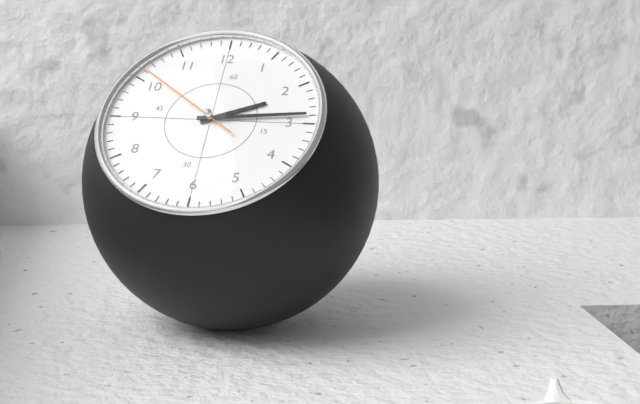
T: 2 h 14 min 51 s
